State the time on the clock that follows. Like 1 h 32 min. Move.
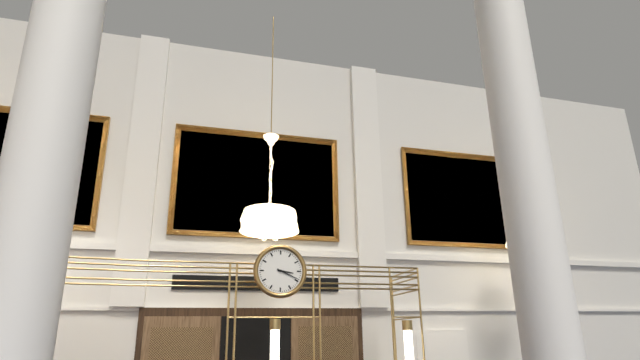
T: 3 h 19 min
